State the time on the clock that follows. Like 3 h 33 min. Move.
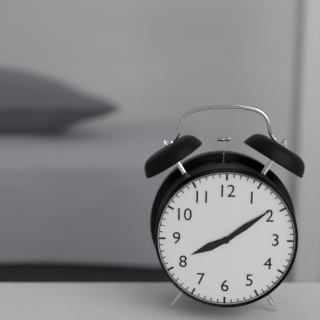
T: 8 h 09 min
